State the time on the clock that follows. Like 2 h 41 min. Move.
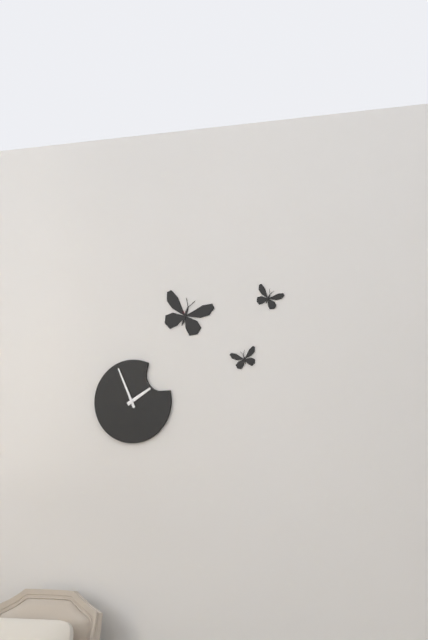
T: 1 h 56 min
